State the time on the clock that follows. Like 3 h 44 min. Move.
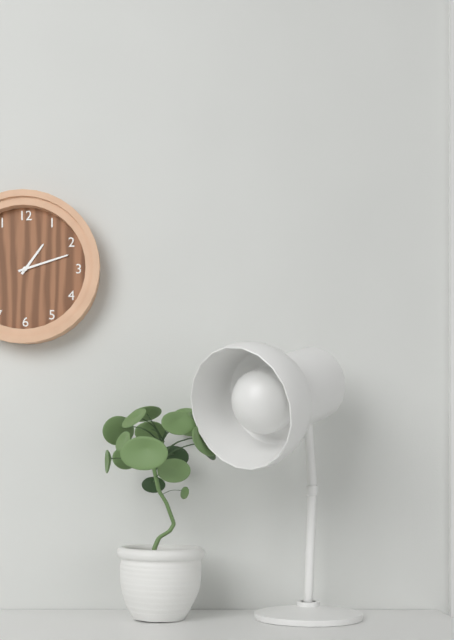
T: 1 h 12 min
